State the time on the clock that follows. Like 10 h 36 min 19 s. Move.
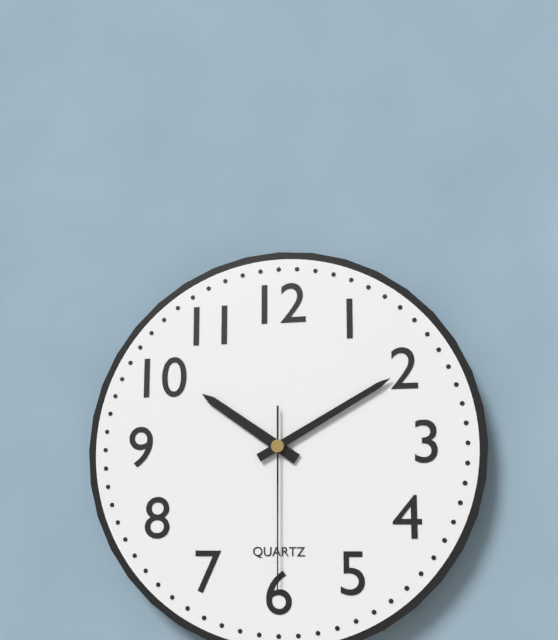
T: 10 h 10 min 30 s
